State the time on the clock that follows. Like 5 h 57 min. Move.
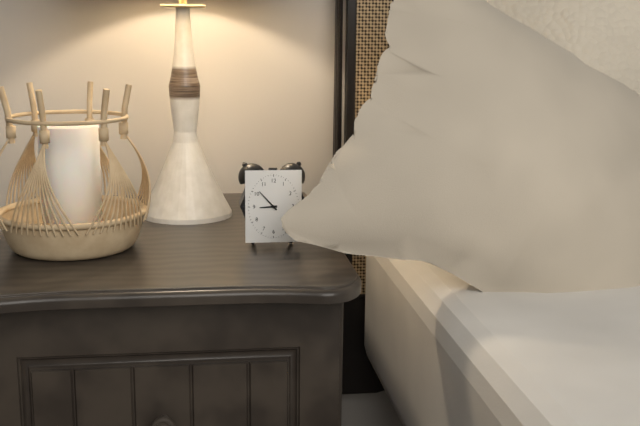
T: 8 h 53 min
